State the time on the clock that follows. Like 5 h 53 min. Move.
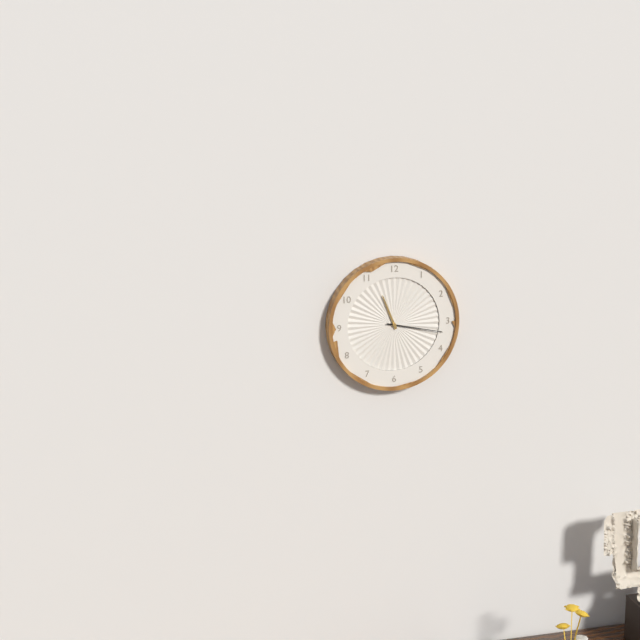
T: 11 h 17 min
